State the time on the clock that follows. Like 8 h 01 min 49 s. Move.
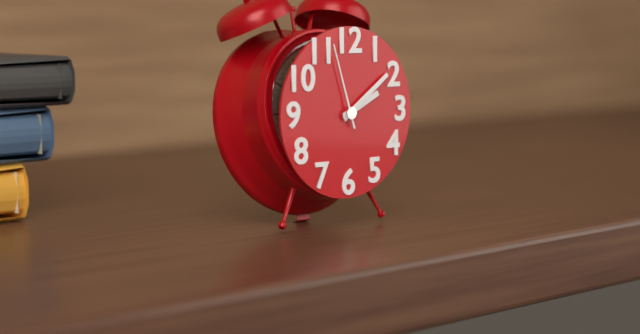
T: 2 h 09 min 57 s
